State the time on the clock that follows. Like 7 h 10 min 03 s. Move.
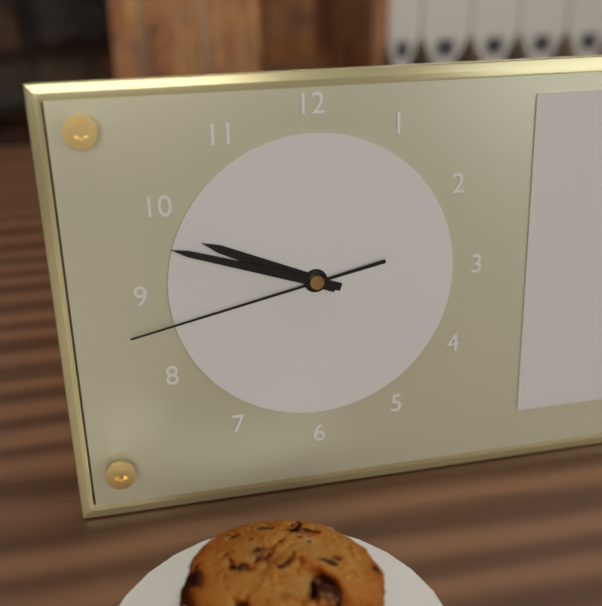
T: 9 h 48 min 43 s
